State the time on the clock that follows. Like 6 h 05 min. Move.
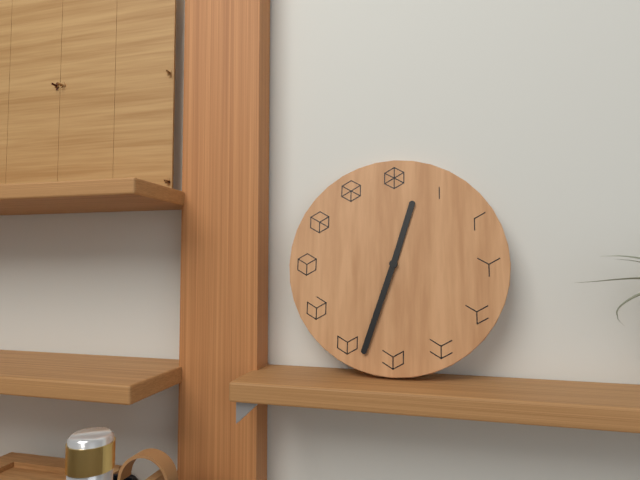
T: 12 h 33 min
